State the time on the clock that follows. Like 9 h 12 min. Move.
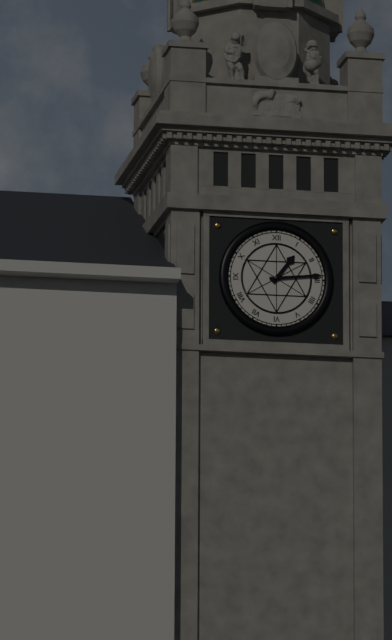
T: 1 h 14 min
